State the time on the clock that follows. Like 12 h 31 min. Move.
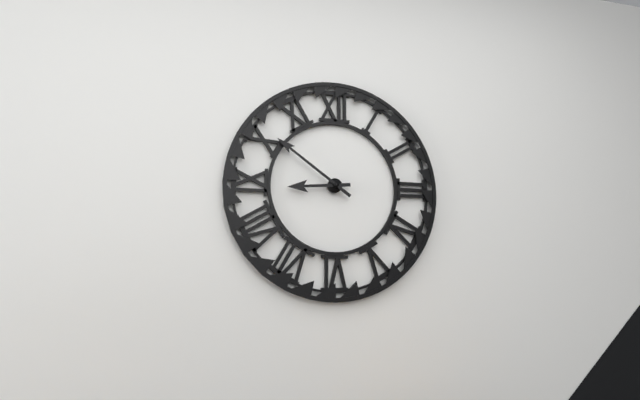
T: 8 h 51 min
